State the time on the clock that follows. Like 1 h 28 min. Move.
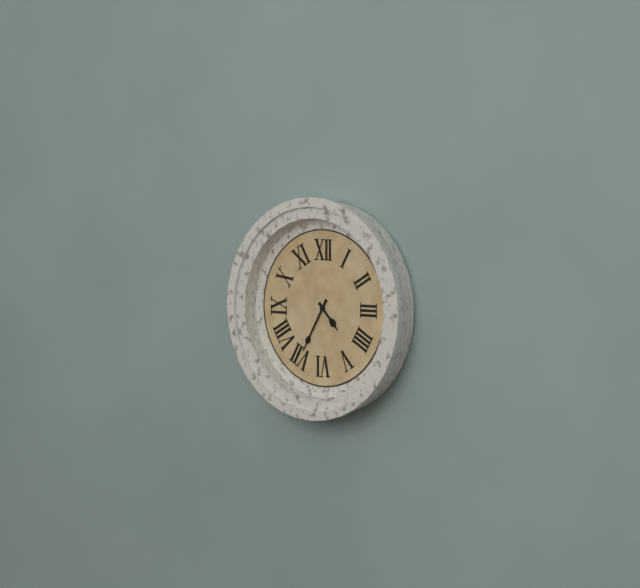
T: 4 h 35 min
